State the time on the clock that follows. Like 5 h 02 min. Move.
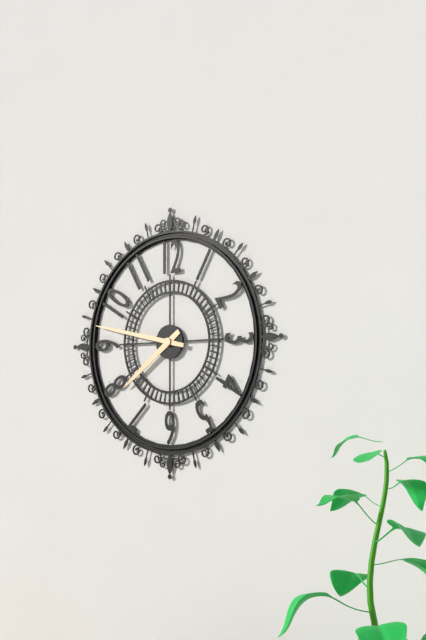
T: 7 h 47 min
